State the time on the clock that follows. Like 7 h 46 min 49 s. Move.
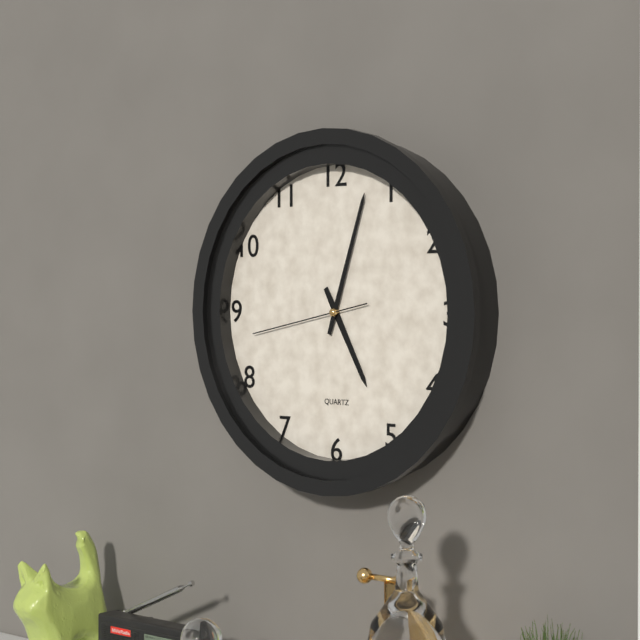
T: 5 h 03 min 43 s
